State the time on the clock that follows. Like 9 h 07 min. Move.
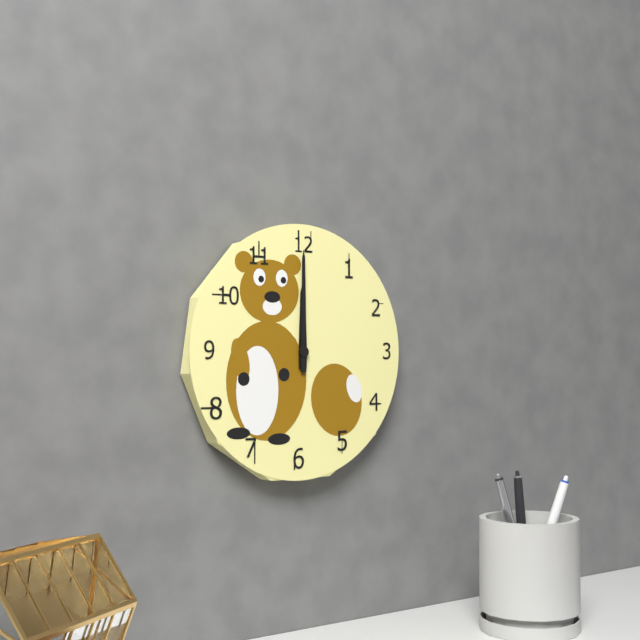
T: 12 h 00 min
